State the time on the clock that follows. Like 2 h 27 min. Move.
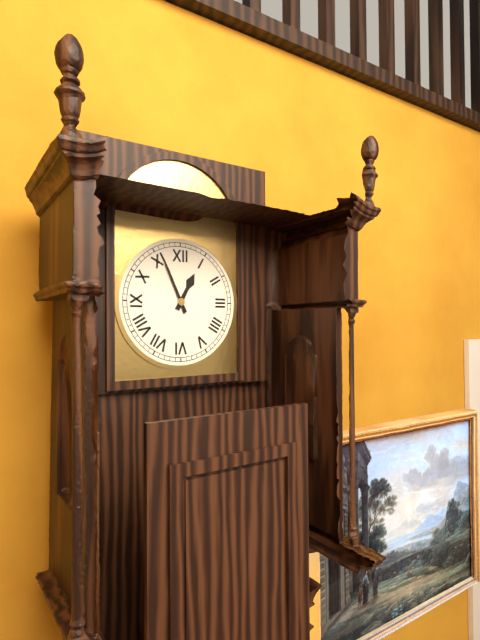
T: 12 h 56 min
